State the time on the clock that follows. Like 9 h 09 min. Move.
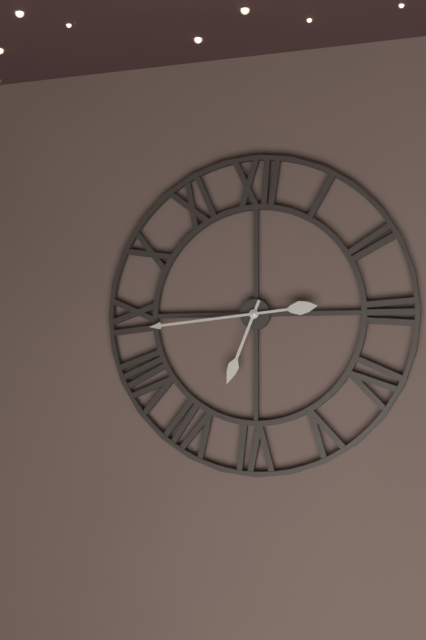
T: 6 h 44 min
